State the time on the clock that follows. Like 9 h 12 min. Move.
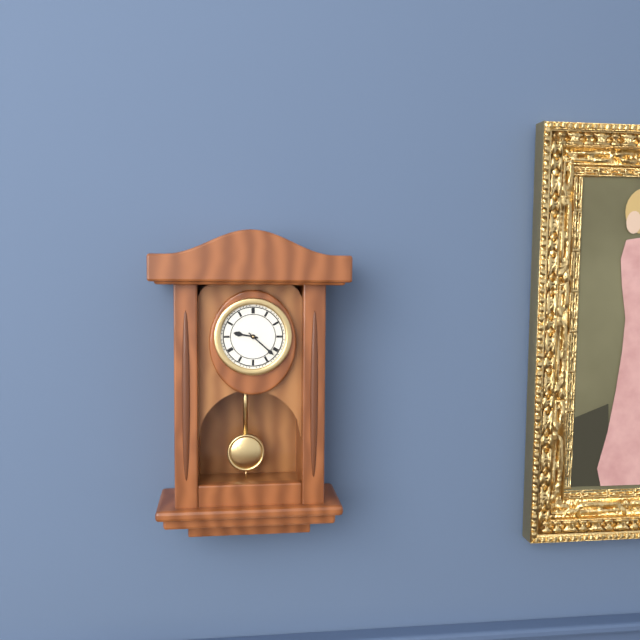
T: 9 h 22 min
